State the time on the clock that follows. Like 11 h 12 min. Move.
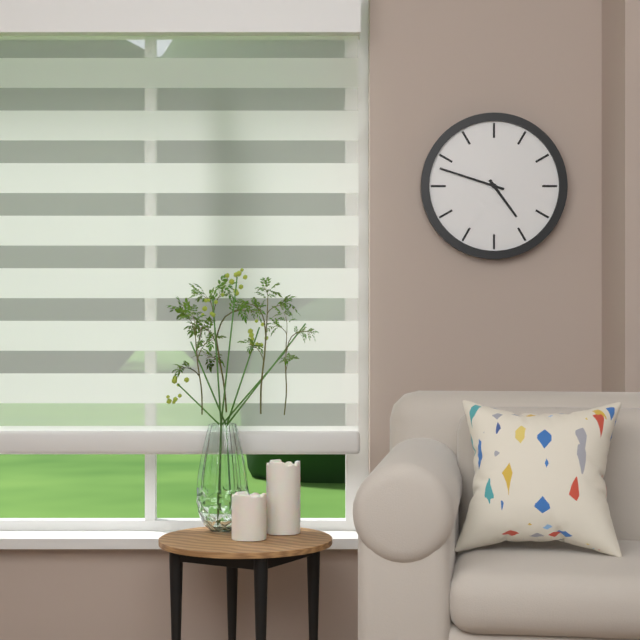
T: 4 h 48 min
